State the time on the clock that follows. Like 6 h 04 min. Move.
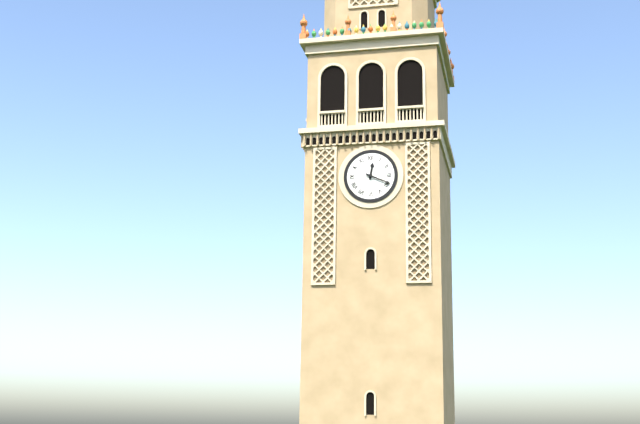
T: 12 h 19 min
